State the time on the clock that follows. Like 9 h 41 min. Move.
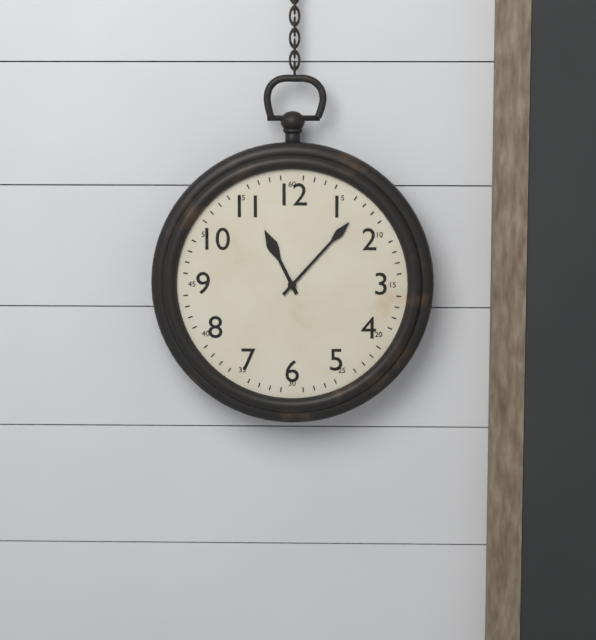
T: 11 h 07 min
